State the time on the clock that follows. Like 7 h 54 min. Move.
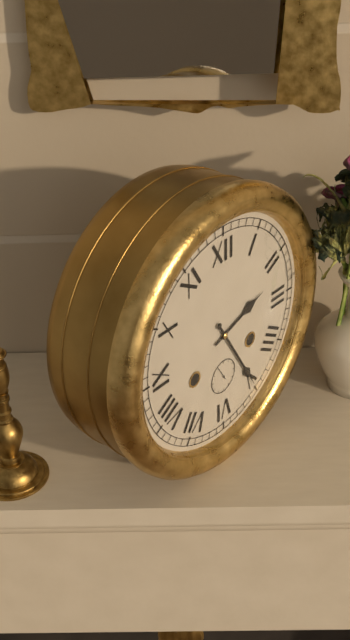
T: 2 h 25 min
